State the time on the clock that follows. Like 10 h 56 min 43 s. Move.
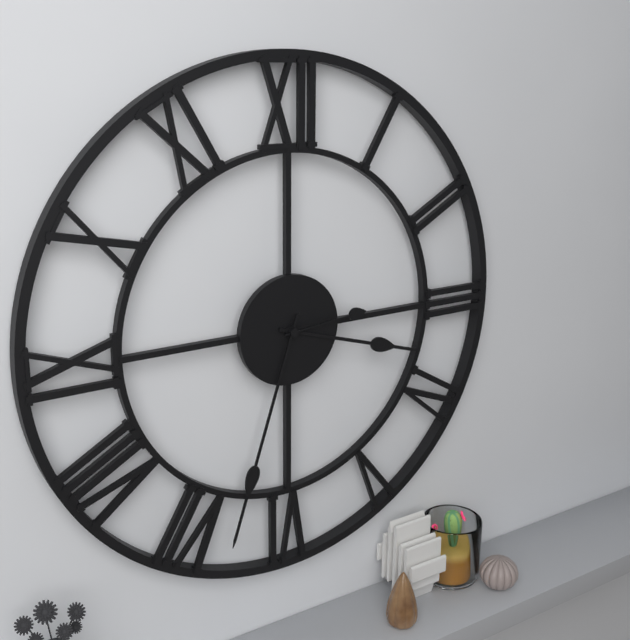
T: 3 h 33 min 14 s
